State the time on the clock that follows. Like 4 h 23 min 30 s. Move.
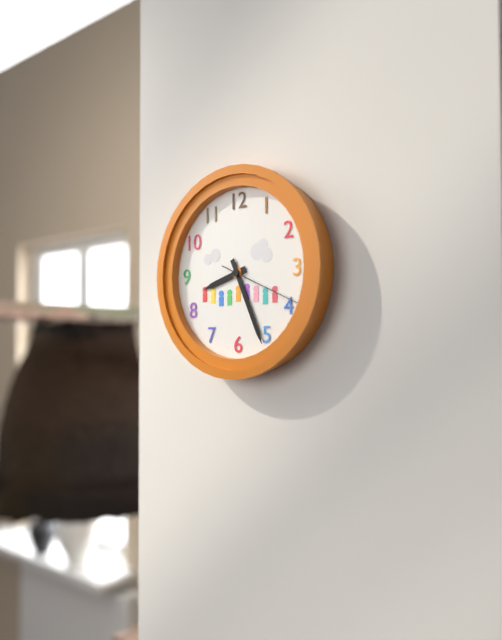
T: 8 h 26 min 19 s
